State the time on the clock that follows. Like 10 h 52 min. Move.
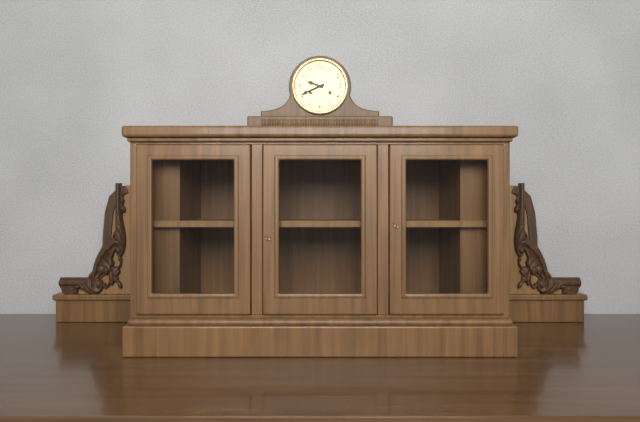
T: 9 h 41 min
